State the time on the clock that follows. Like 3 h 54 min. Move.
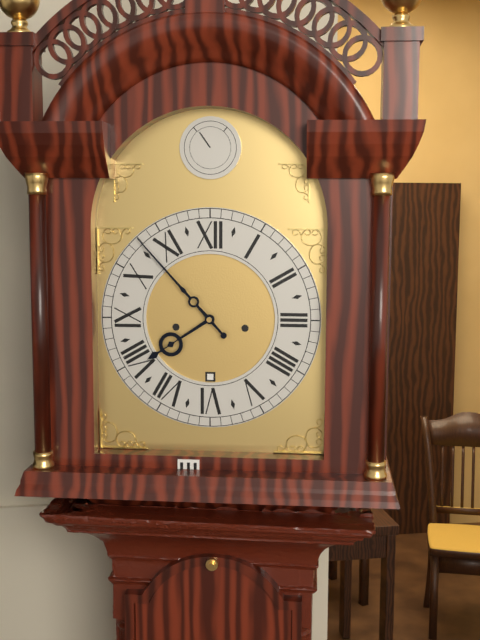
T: 7 h 53 min
